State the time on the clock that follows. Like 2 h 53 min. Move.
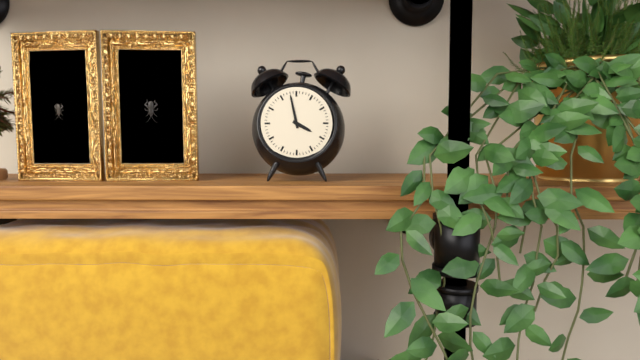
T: 3 h 58 min
